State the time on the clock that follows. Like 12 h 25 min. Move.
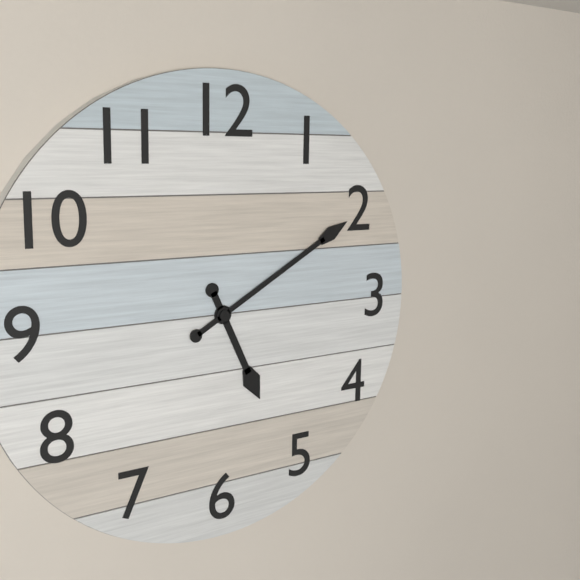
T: 5 h 10 min
